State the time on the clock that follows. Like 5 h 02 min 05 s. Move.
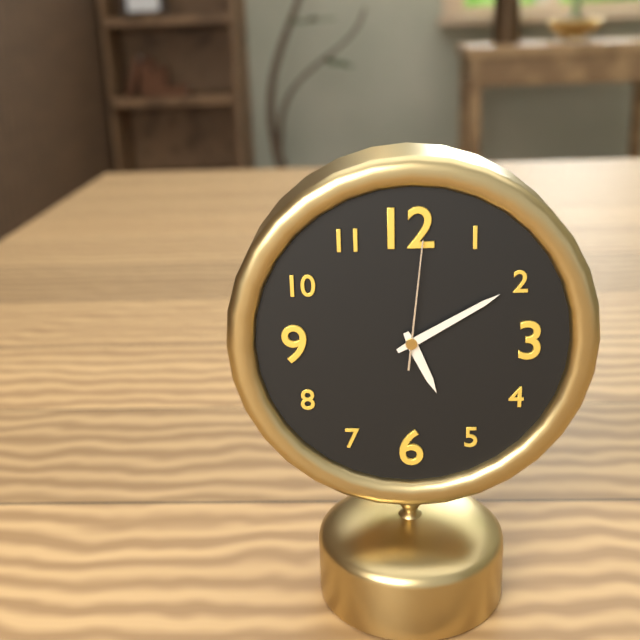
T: 5 h 10 min 01 s
